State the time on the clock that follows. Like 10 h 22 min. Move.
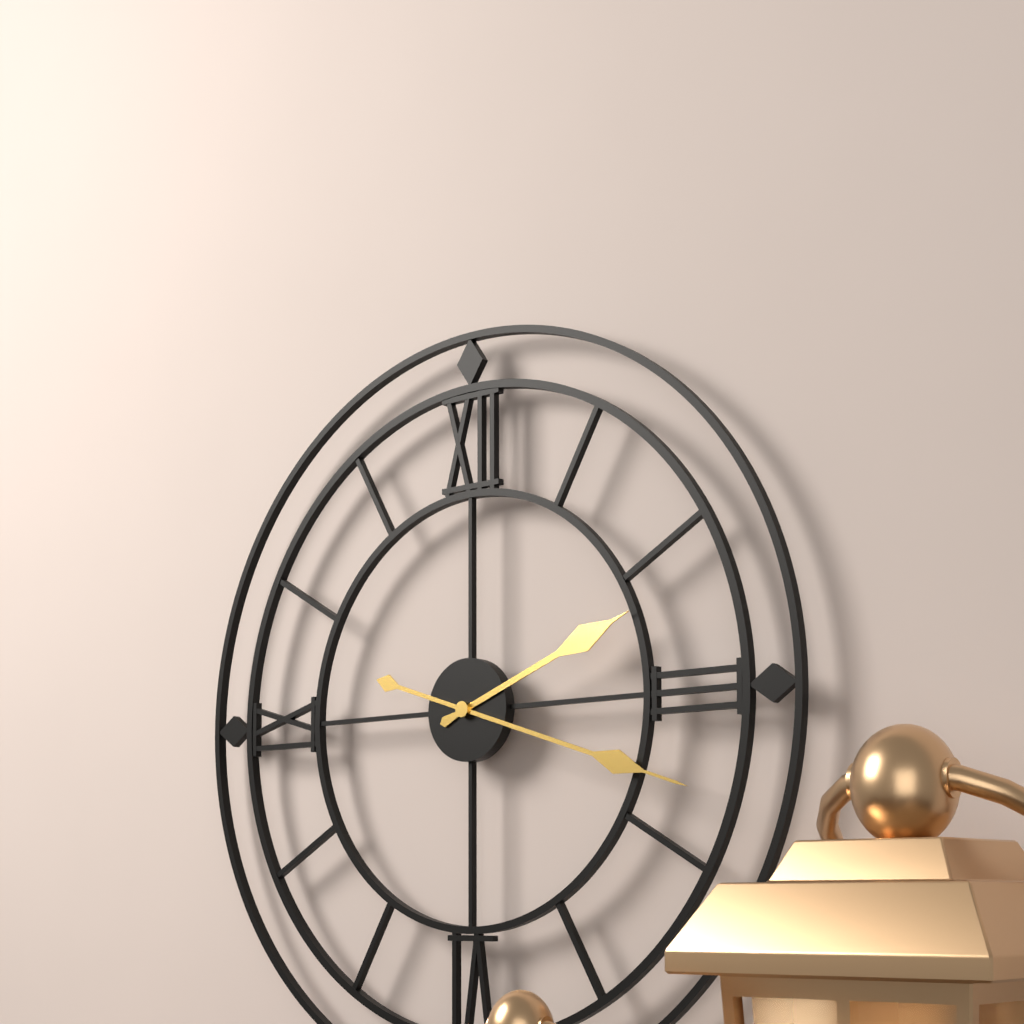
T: 2 h 18 min
